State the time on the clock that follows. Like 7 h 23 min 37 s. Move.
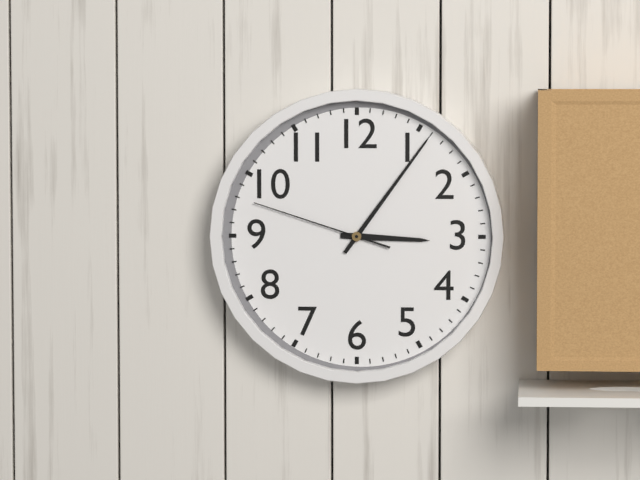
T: 3 h 06 min 48 s
